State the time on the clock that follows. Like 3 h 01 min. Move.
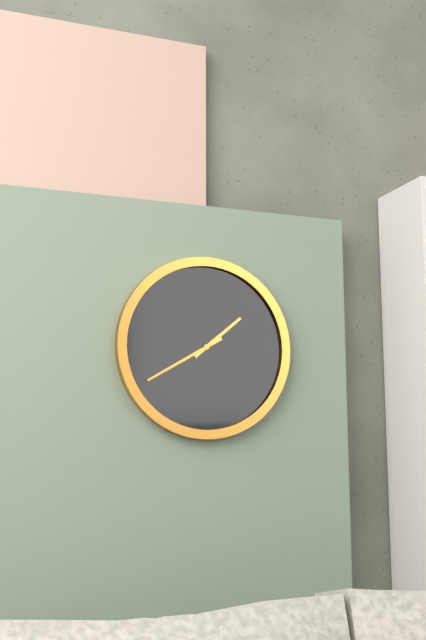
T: 1 h 40 min
